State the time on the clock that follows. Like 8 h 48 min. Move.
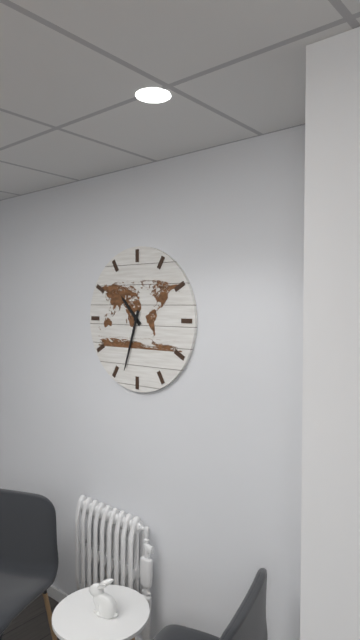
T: 10 h 33 min
